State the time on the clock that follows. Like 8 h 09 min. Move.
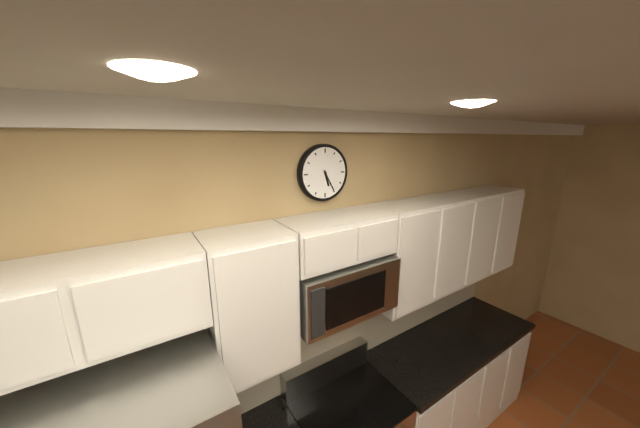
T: 5 h 25 min
